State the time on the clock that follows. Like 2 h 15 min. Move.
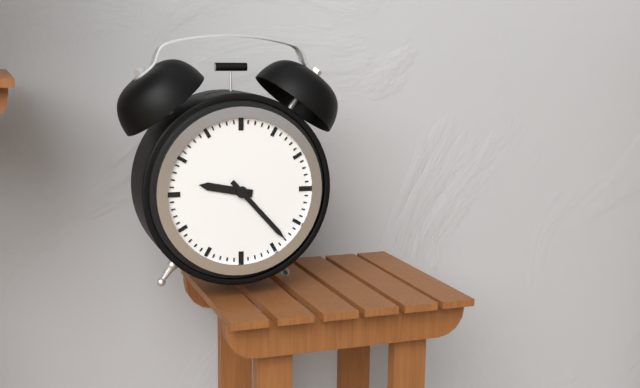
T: 9 h 23 min
